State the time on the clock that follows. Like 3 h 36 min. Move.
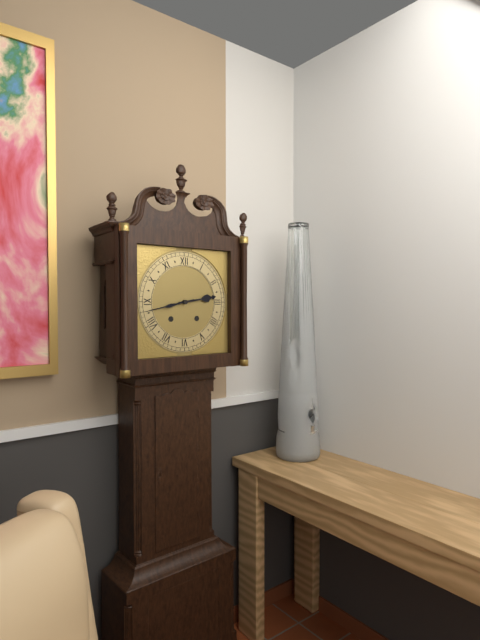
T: 2 h 43 min
